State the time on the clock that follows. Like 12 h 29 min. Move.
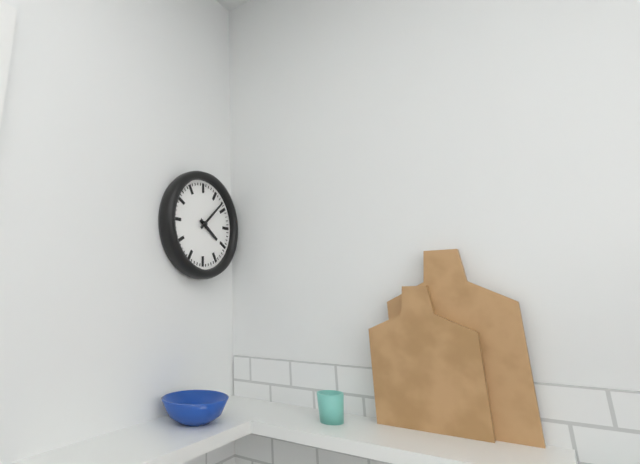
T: 4 h 08 min
